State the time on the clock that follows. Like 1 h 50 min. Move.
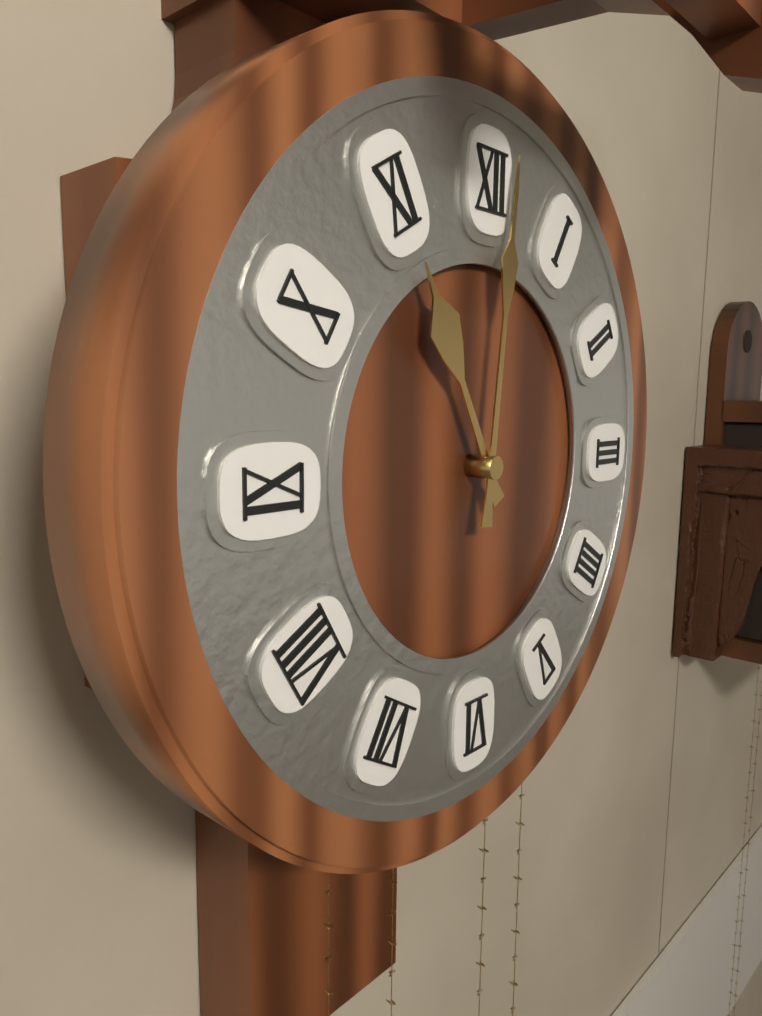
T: 11 h 01 min
